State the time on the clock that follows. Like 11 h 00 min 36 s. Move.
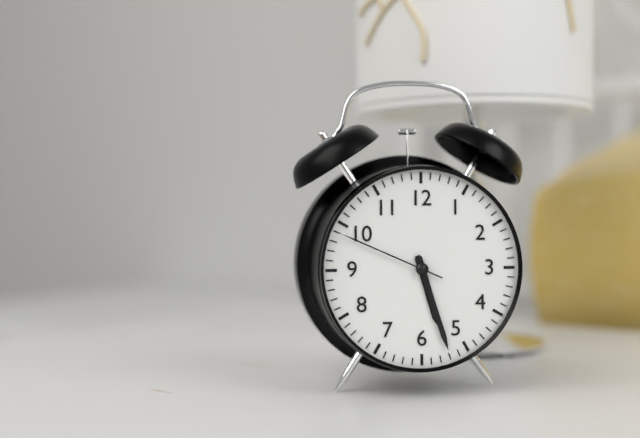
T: 5 h 27 min 49 s
